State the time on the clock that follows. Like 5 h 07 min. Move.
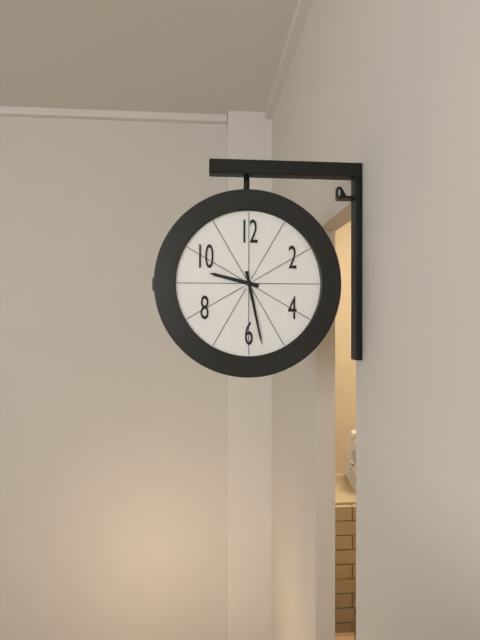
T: 9 h 28 min
